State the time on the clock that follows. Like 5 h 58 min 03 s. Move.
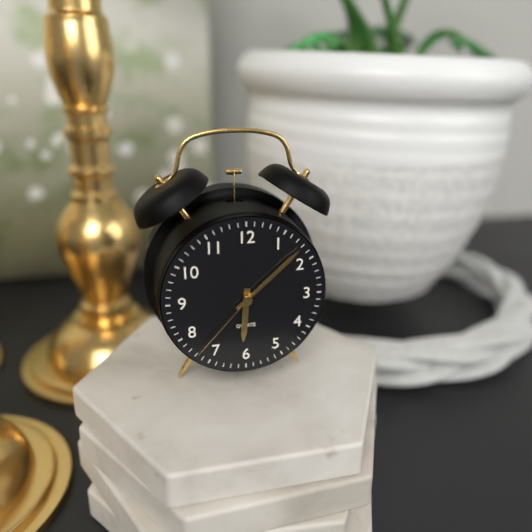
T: 6 h 08 min 37 s
